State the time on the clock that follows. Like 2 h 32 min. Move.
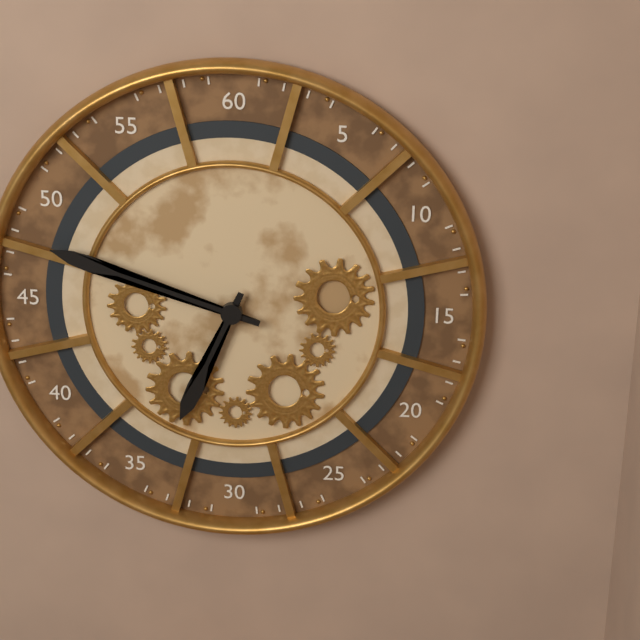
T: 6 h 48 min
